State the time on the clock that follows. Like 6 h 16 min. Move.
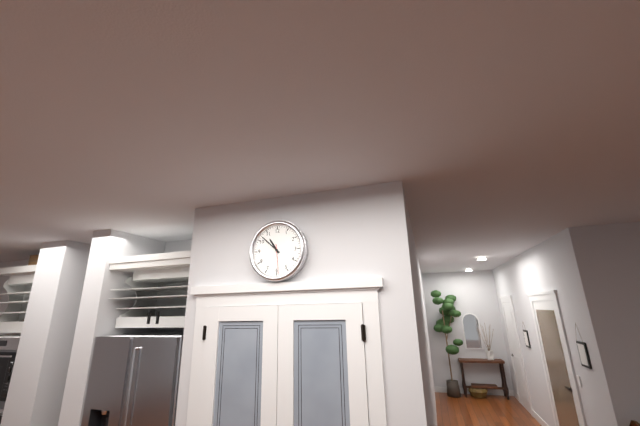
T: 10 h 52 min
